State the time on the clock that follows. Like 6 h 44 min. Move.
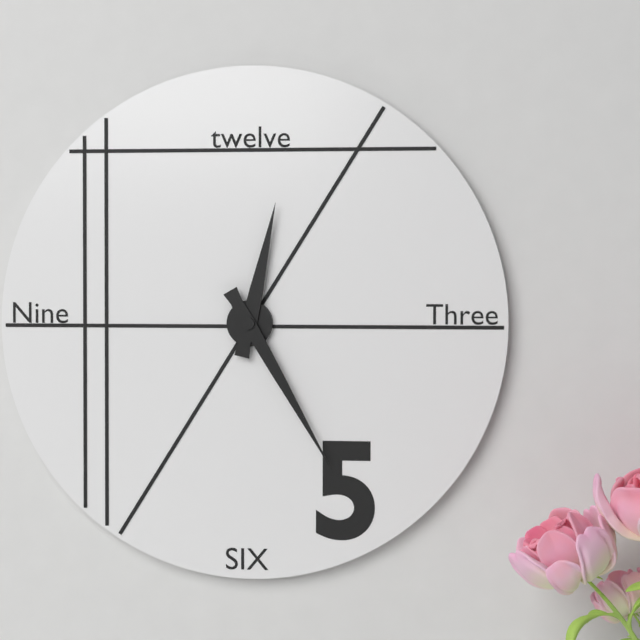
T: 12 h 25 min
